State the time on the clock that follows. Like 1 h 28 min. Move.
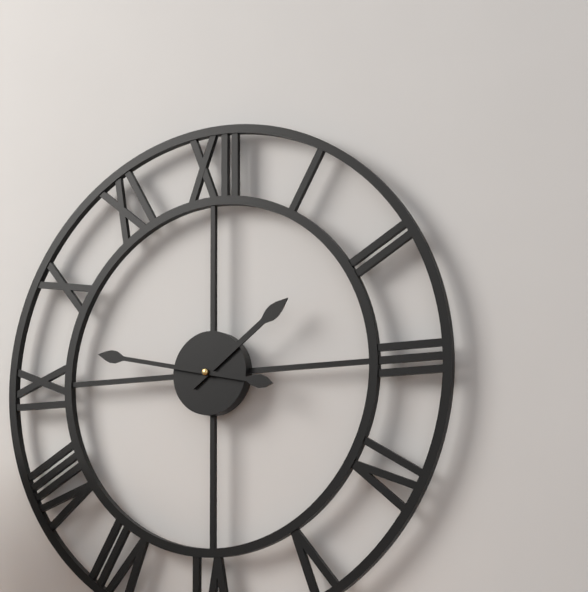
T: 1 h 47 min
